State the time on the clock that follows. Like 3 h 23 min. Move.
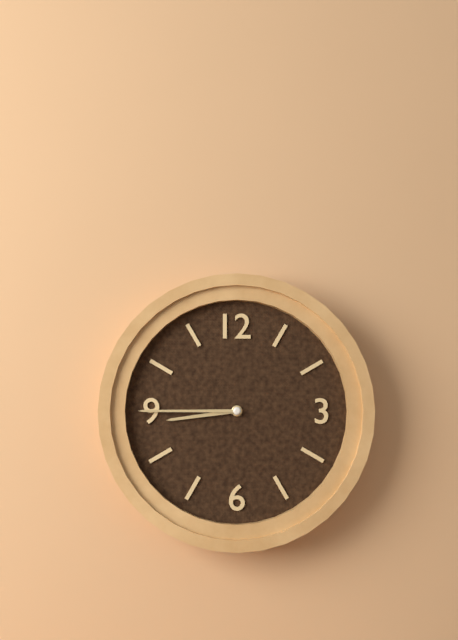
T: 8 h 45 min
